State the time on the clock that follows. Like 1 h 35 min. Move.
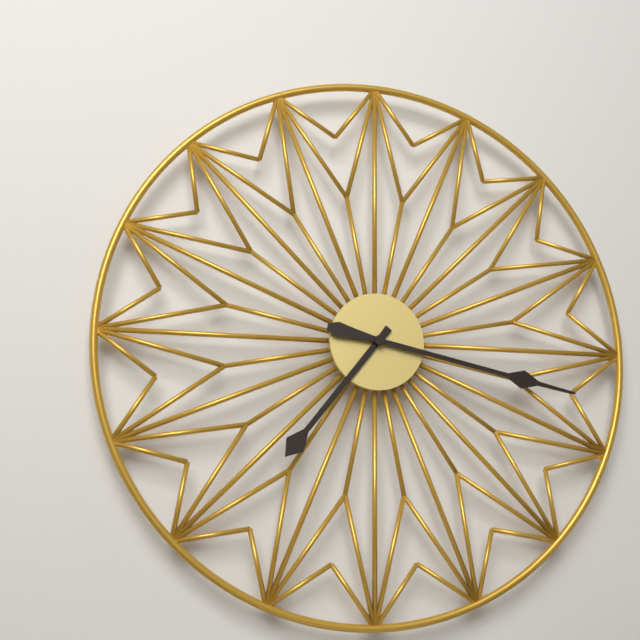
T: 7 h 17 min
